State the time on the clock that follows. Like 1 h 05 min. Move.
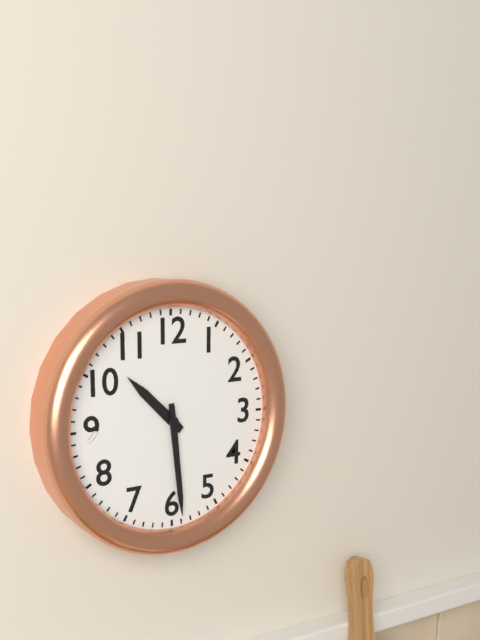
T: 10 h 29 min
